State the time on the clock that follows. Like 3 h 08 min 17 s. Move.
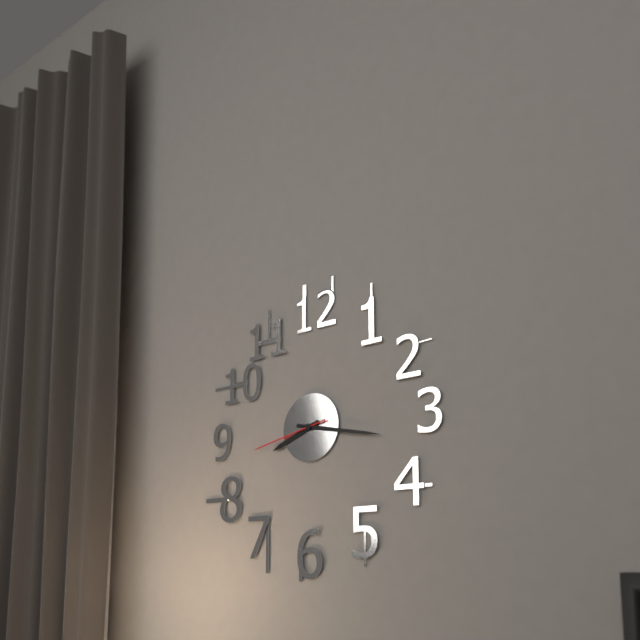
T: 8 h 17 min 43 s
